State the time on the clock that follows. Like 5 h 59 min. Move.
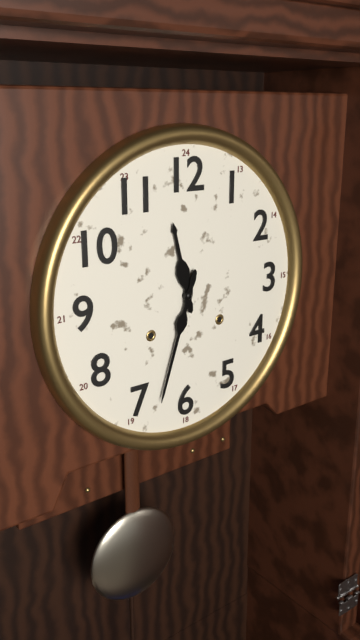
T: 11 h 33 min
